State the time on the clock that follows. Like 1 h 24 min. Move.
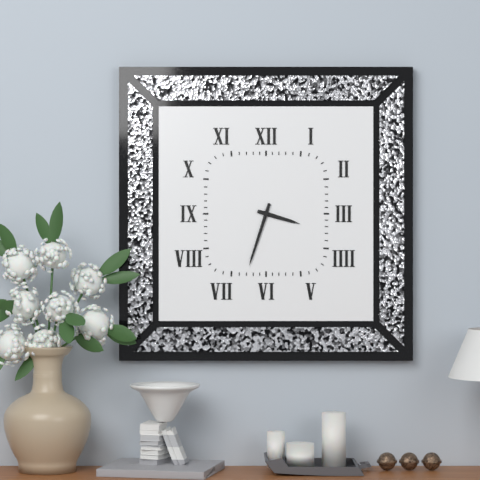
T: 3 h 33 min
